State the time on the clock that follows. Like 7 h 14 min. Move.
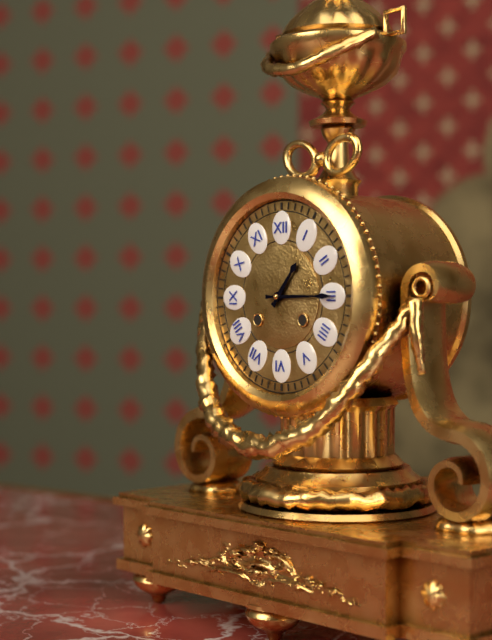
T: 1 h 15 min
